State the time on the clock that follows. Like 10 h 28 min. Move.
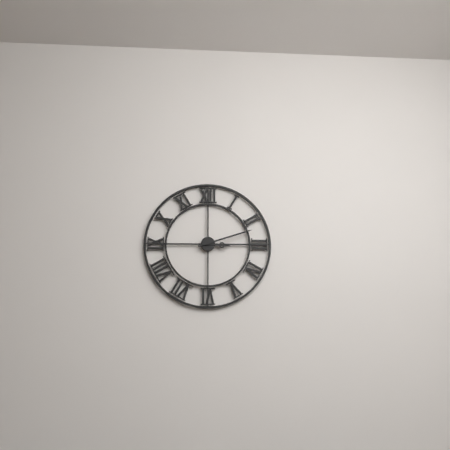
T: 3 h 12 min
